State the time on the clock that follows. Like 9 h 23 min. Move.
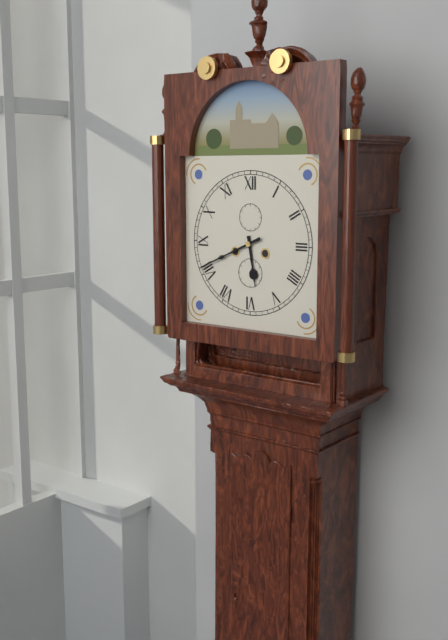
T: 5 h 41 min
